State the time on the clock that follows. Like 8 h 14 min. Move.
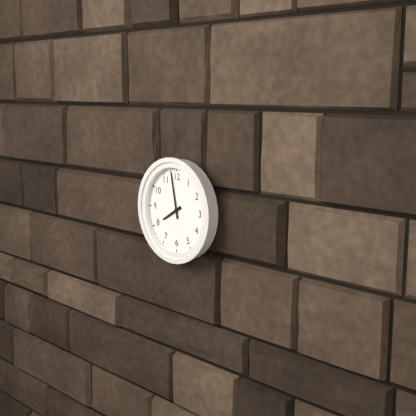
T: 7 h 58 min
